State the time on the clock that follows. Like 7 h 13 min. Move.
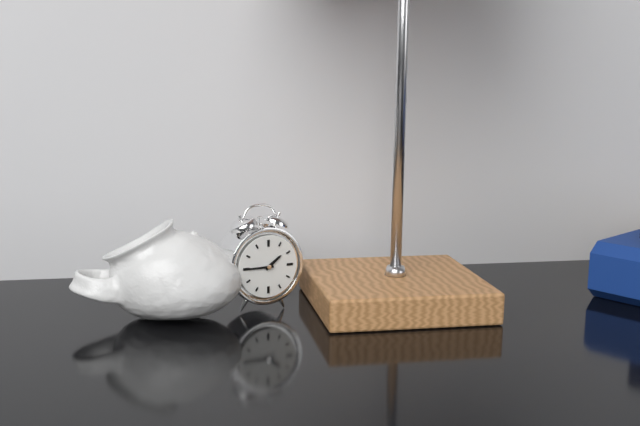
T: 1 h 45 min
